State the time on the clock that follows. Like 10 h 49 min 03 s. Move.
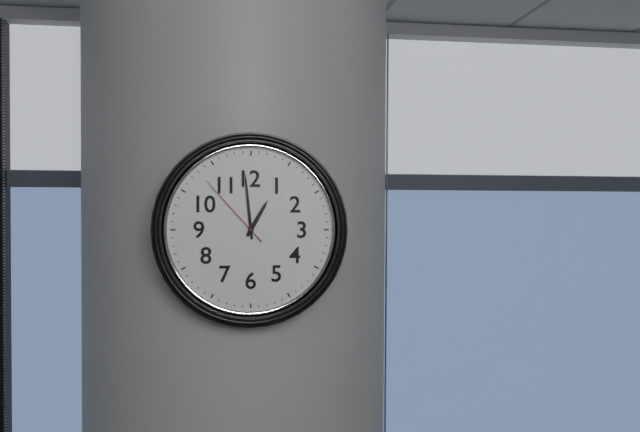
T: 12 h 59 min 53 s
